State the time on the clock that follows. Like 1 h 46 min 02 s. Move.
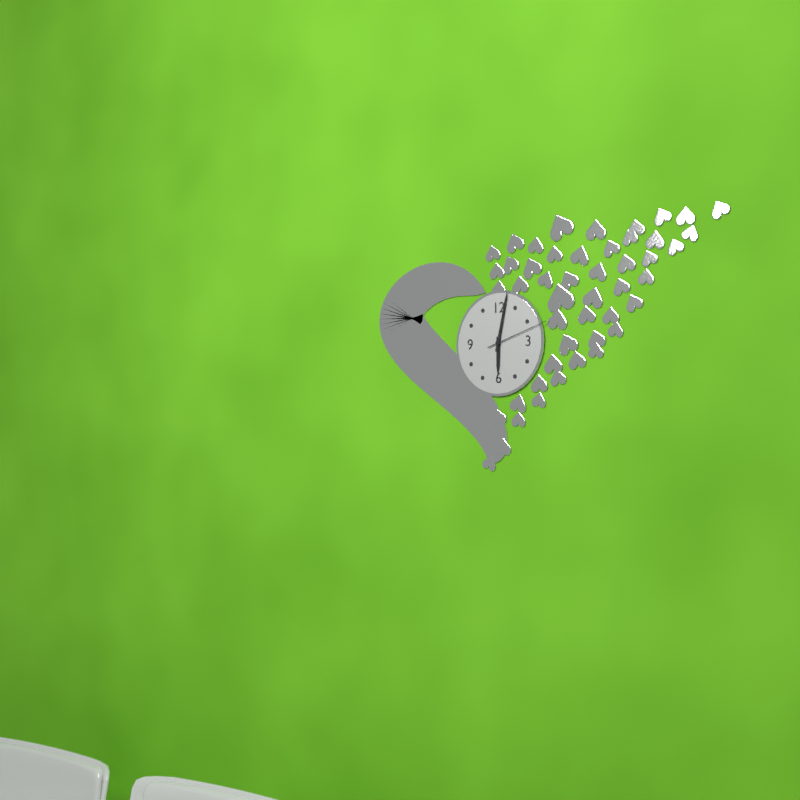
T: 6 h 02 min 12 s
